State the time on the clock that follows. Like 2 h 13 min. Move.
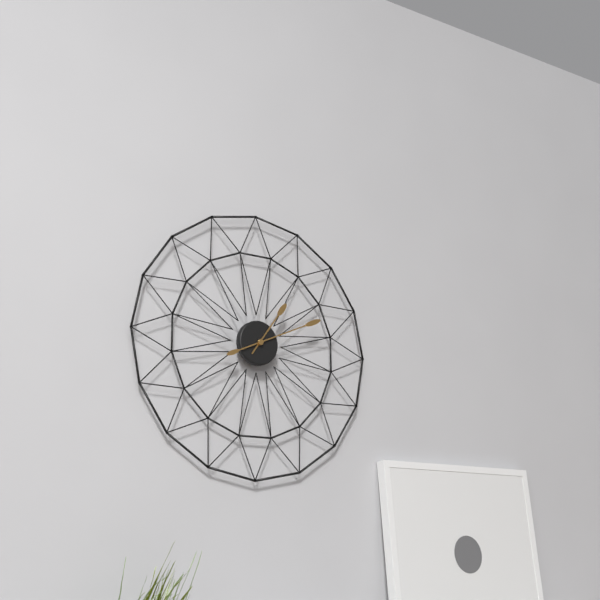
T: 1 h 11 min
